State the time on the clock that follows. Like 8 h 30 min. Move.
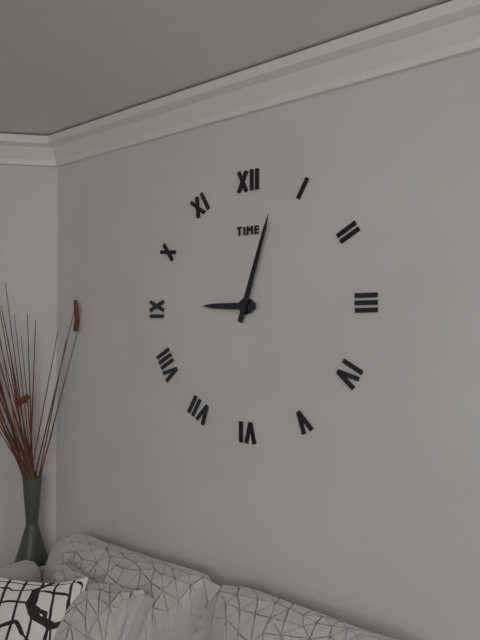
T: 9 h 03 min
